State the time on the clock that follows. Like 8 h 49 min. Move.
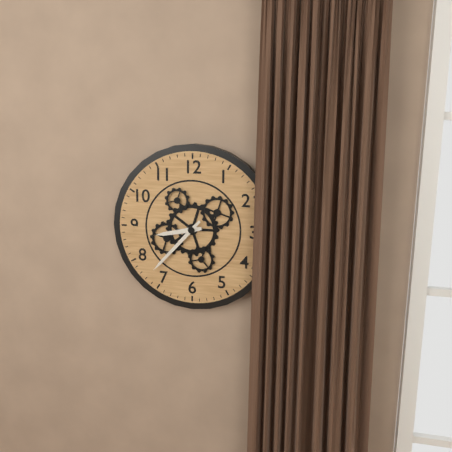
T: 8 h 37 min
